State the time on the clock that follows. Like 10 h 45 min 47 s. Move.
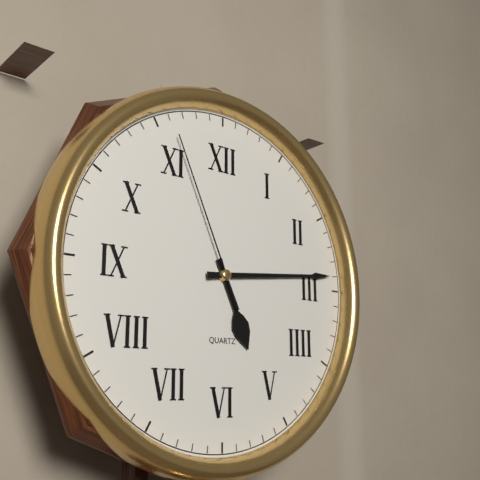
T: 5 h 14 min 56 s
